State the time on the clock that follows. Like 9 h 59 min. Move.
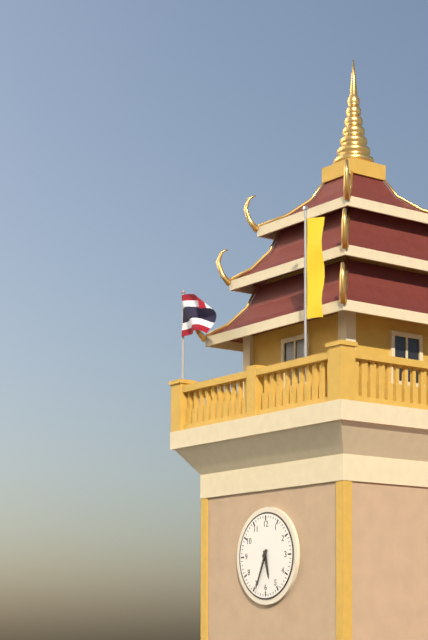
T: 5 h 34 min
